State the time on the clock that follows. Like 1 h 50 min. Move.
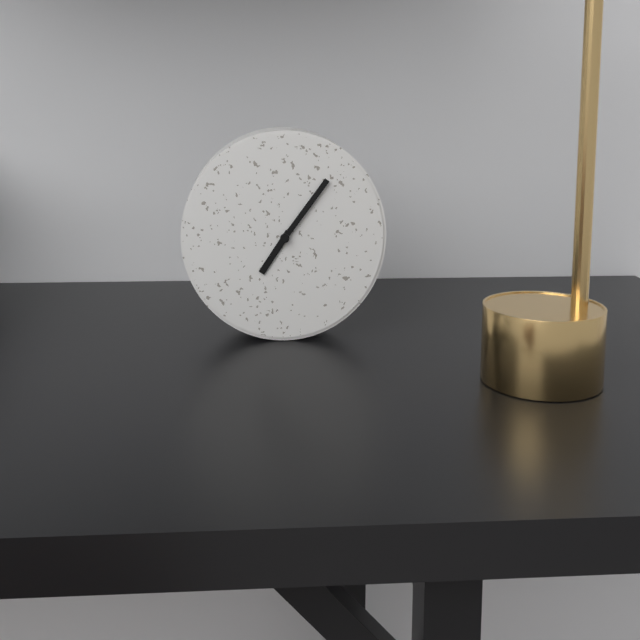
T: 7 h 06 min
